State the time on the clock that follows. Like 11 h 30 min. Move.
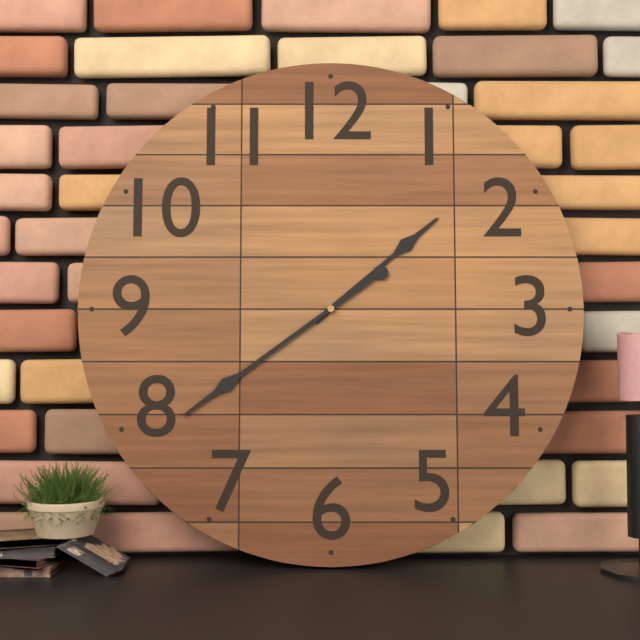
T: 1 h 39 min
